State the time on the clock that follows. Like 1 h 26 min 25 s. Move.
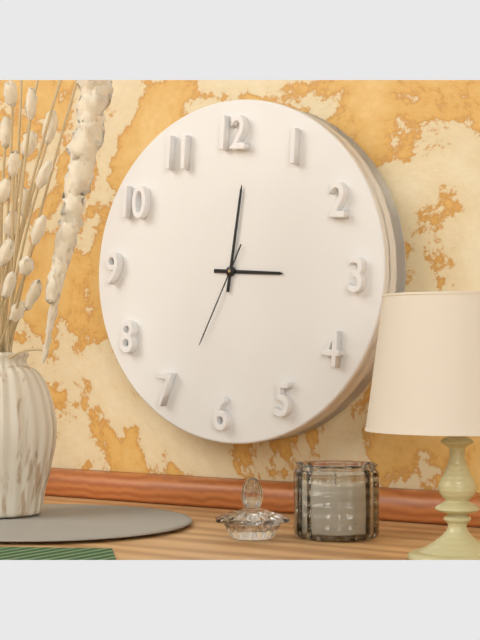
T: 3 h 01 min 34 s
